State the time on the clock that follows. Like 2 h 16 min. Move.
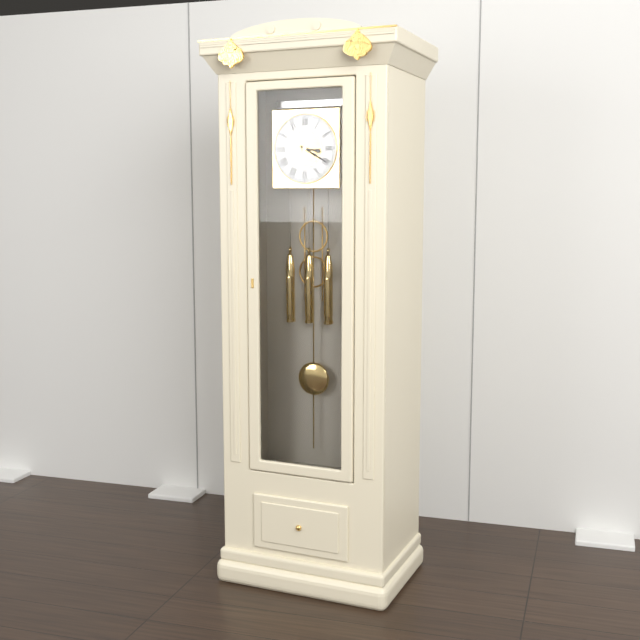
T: 3 h 20 min
